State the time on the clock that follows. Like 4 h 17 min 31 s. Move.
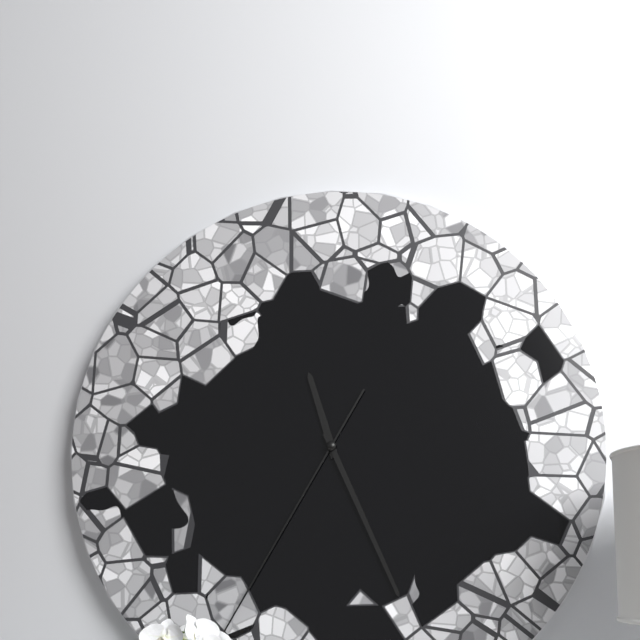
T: 11 h 26 min 35 s
